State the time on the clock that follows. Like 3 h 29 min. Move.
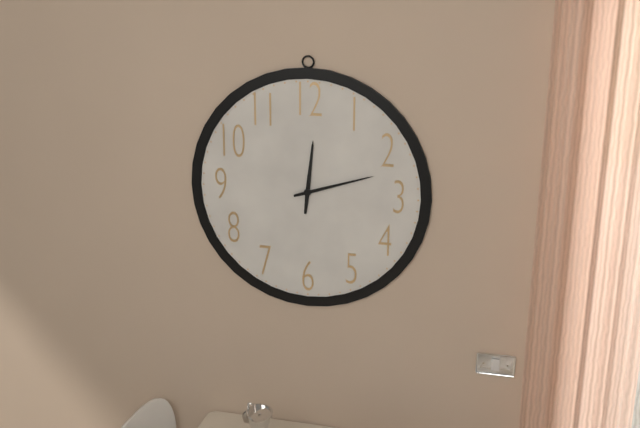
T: 12 h 12 min
